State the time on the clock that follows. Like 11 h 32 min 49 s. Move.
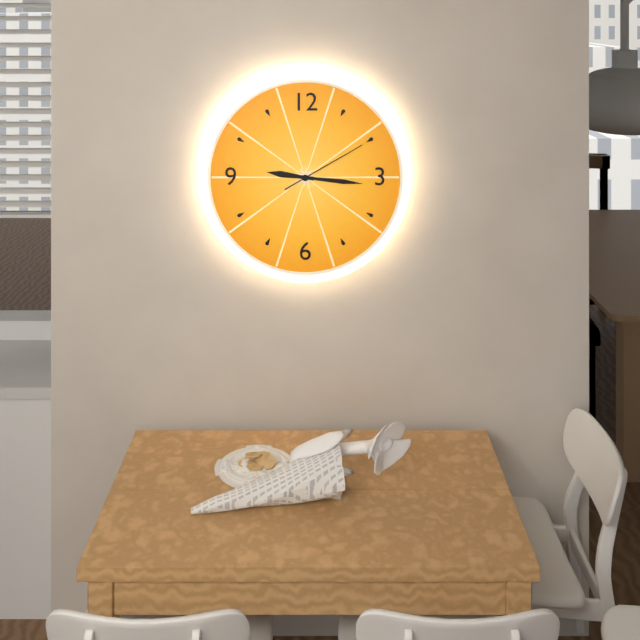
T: 9 h 16 min 10 s
